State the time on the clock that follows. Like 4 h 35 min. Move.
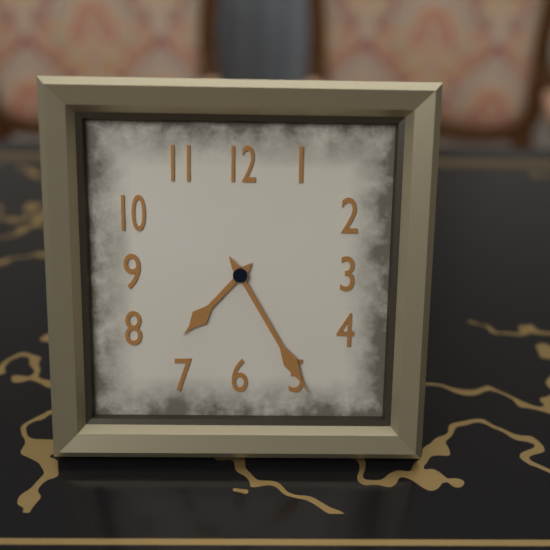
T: 7 h 25 min
